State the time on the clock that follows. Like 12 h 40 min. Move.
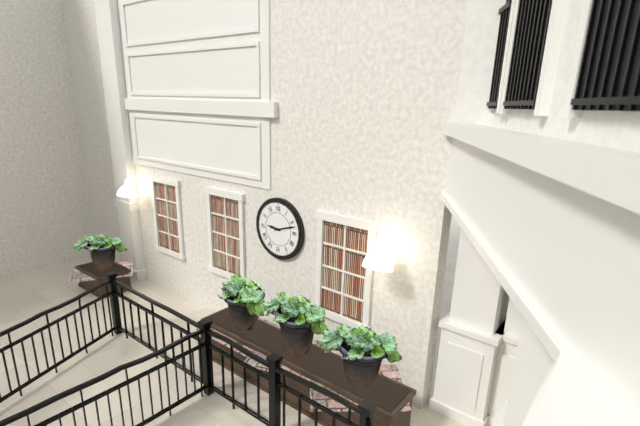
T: 9 h 12 min
